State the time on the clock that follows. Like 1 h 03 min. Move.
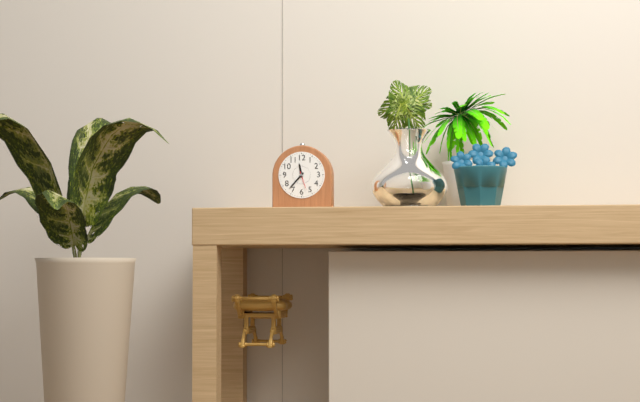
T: 11 h 37 min
